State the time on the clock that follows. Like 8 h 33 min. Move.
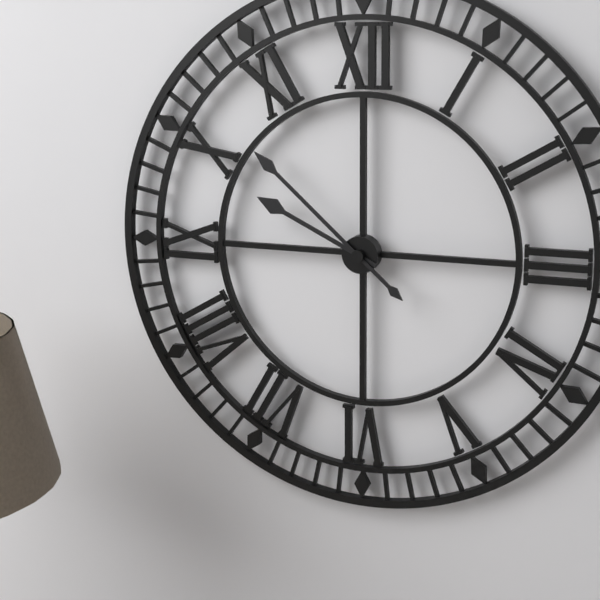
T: 9 h 52 min
